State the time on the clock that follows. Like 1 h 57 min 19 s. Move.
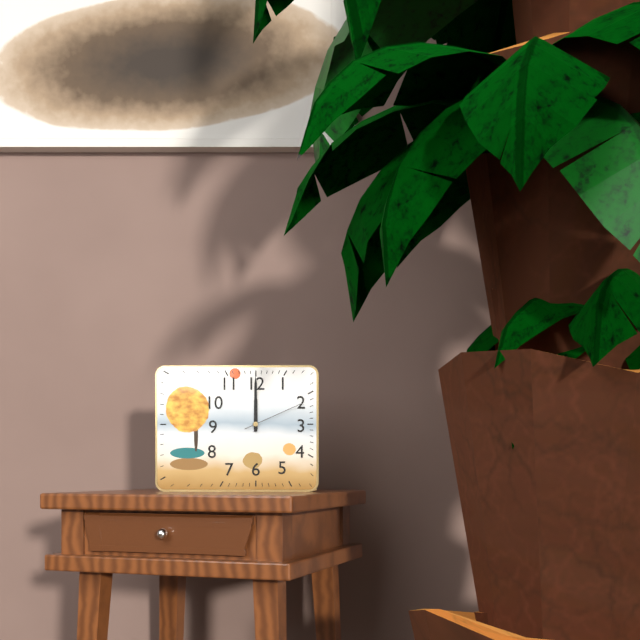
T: 12 h 00 min 11 s
